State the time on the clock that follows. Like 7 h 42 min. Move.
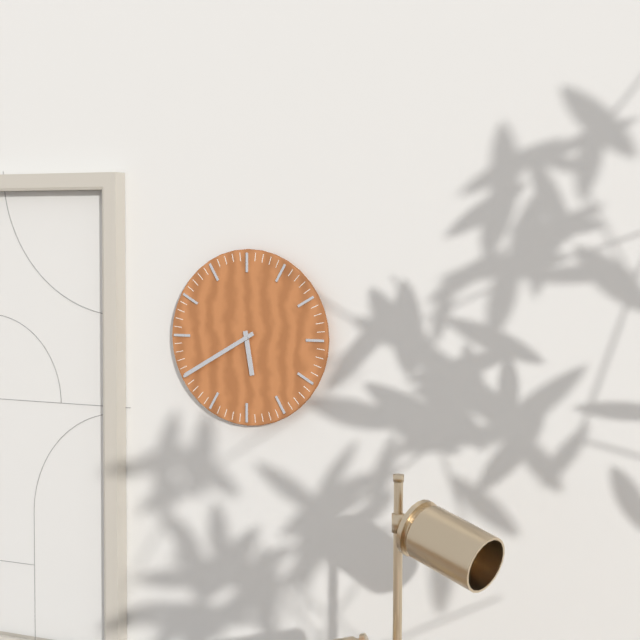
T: 5 h 40 min
